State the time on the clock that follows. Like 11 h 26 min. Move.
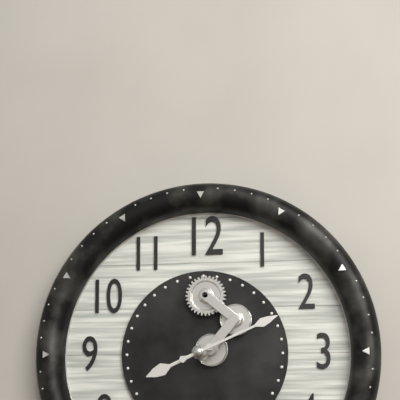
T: 8 h 11 min
